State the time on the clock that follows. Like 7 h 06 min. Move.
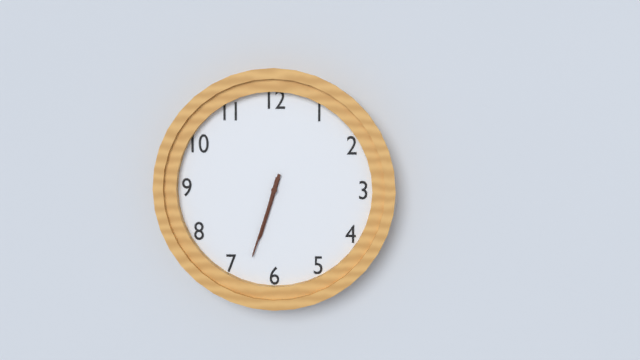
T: 6 h 33 min
